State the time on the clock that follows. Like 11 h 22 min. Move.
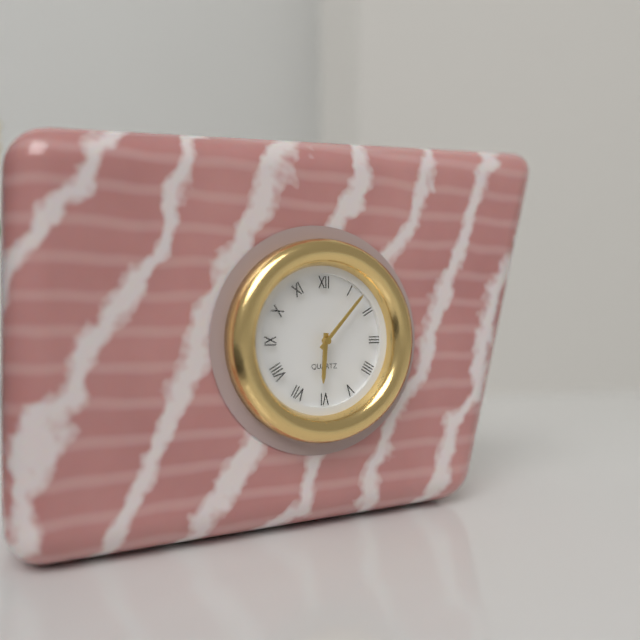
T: 6 h 07 min
